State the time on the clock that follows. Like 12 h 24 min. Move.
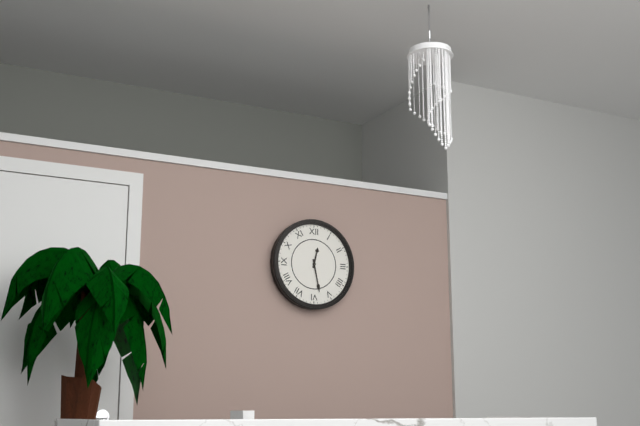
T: 12 h 28 min
